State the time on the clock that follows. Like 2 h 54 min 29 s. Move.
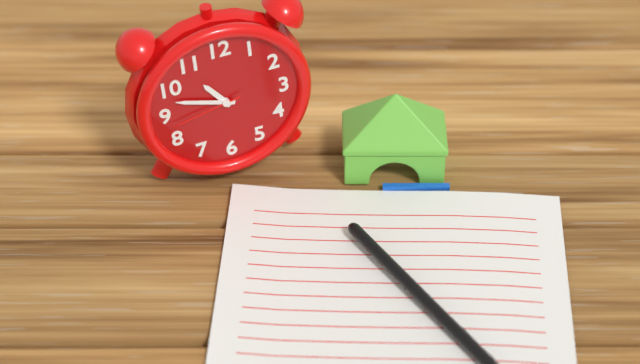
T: 10 h 48 min 43 s
